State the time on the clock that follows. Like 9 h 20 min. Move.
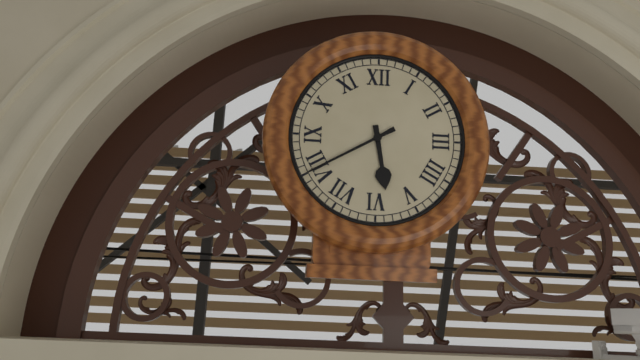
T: 5 h 40 min
